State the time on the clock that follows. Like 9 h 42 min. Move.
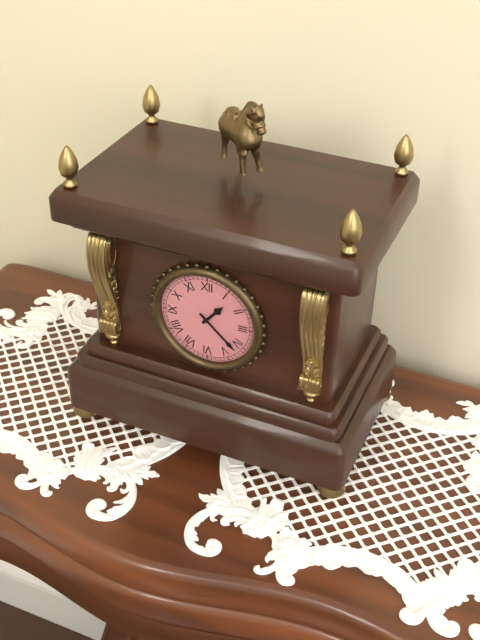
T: 1 h 22 min
